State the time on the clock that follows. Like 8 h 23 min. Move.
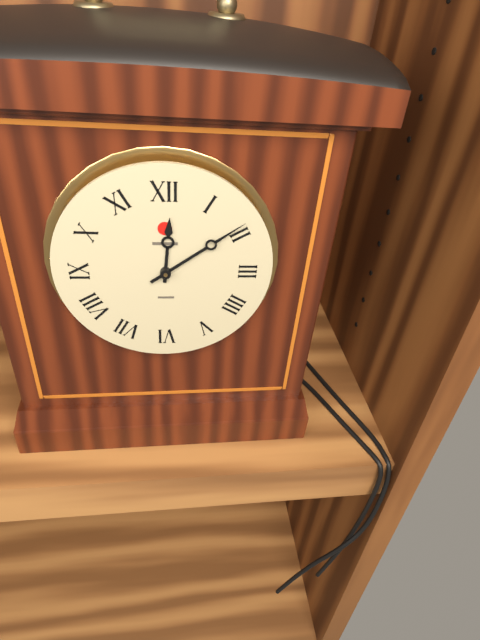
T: 12 h 09 min
